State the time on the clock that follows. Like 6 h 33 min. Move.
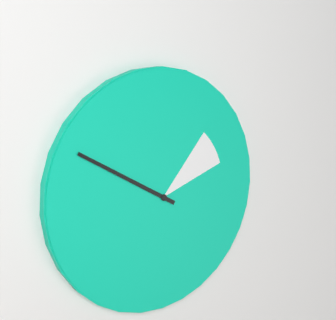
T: 1 h 50 min
